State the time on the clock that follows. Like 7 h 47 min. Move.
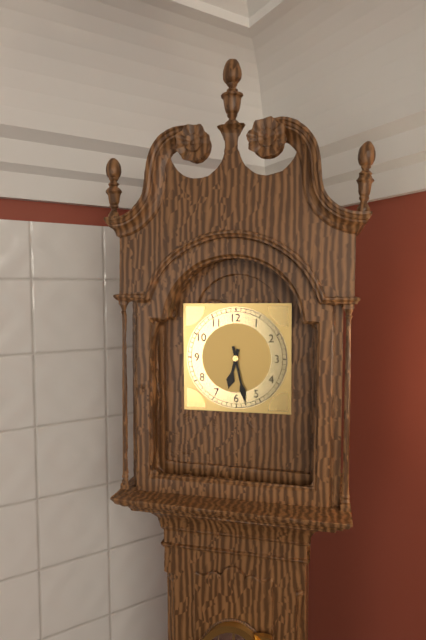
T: 6 h 28 min
